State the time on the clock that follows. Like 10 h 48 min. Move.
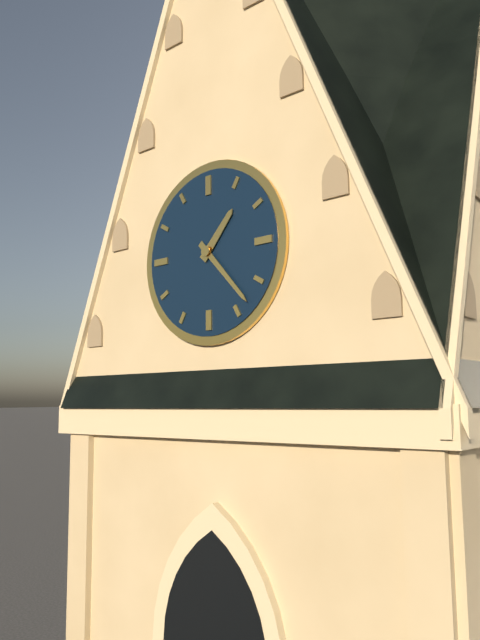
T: 1 h 23 min
